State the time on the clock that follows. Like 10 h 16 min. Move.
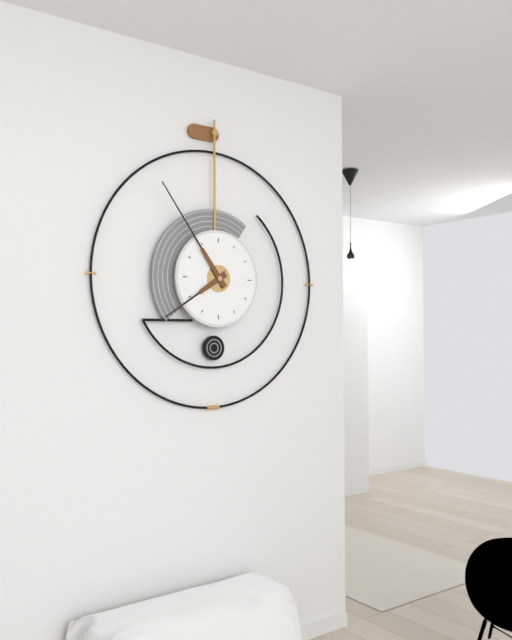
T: 7 h 54 min
